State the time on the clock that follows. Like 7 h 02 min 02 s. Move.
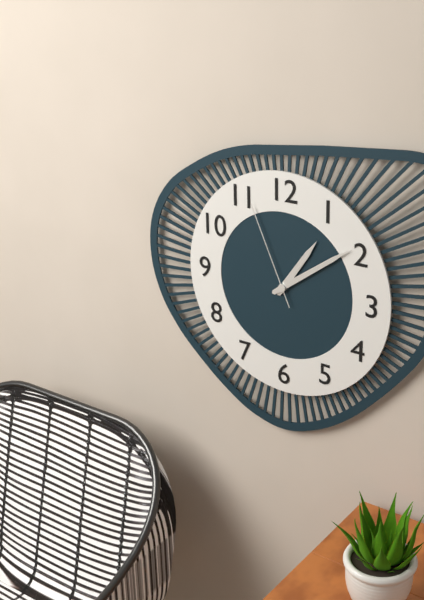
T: 1 h 09 min 56 s
